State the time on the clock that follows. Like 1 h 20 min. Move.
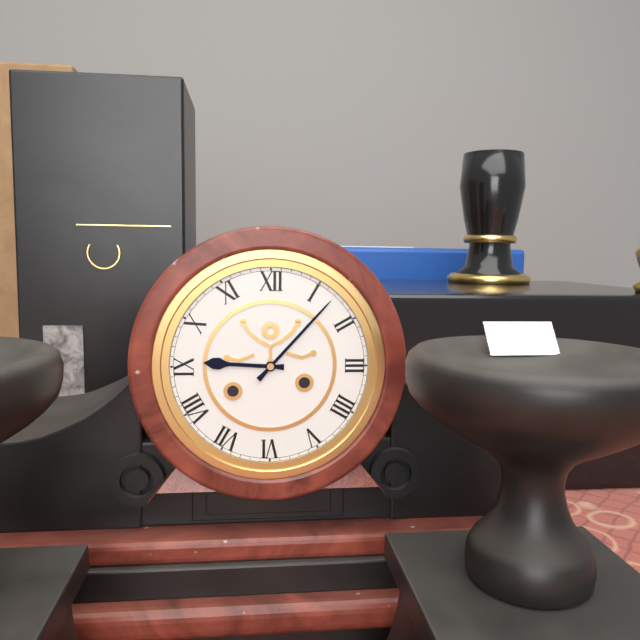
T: 9 h 07 min
